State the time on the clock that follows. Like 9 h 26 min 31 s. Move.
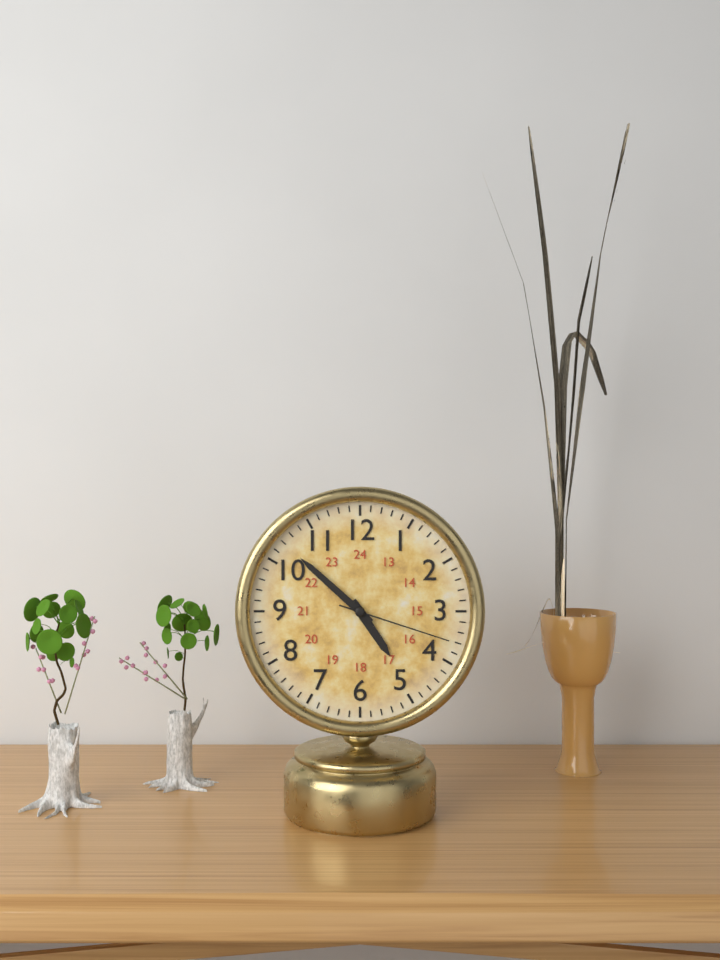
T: 4 h 52 min 18 s
